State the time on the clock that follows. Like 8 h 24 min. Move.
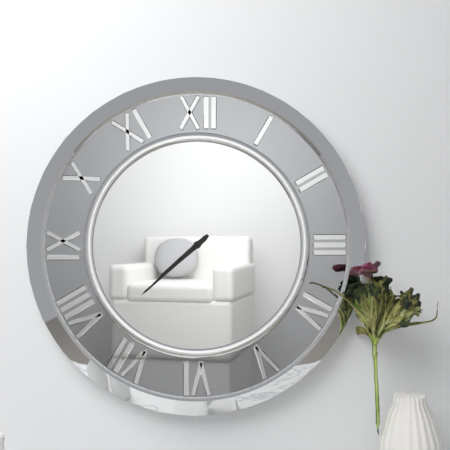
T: 7 h 38 min
